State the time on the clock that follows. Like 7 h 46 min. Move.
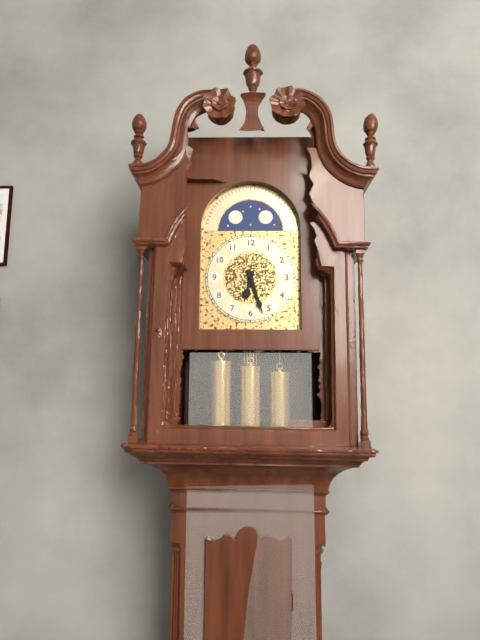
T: 6 h 27 min
